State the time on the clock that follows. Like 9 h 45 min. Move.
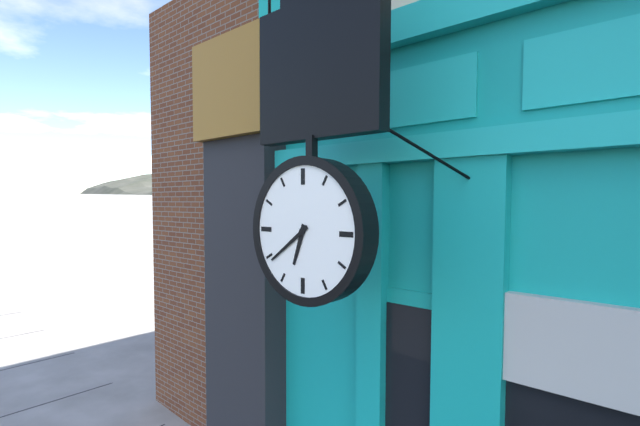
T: 6 h 39 min
